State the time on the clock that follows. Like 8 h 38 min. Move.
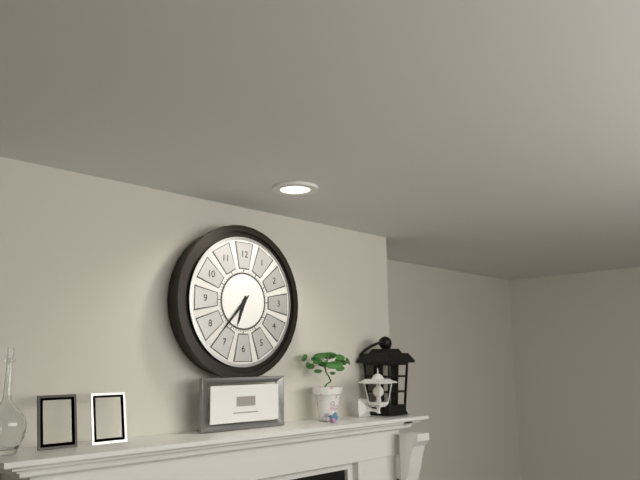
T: 6 h 37 min
